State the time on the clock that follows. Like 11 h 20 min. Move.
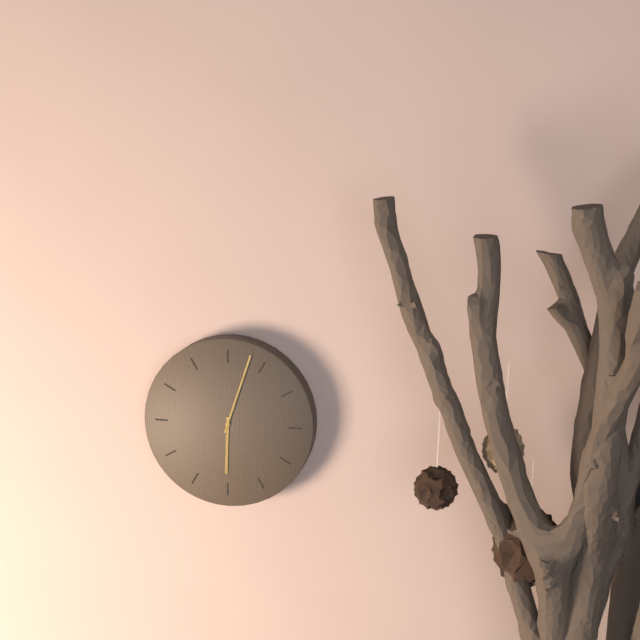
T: 6 h 03 min
